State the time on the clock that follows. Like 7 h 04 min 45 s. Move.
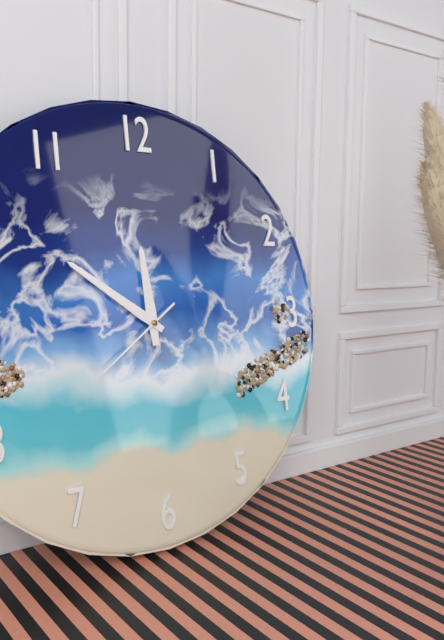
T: 11 h 51 min 39 s
